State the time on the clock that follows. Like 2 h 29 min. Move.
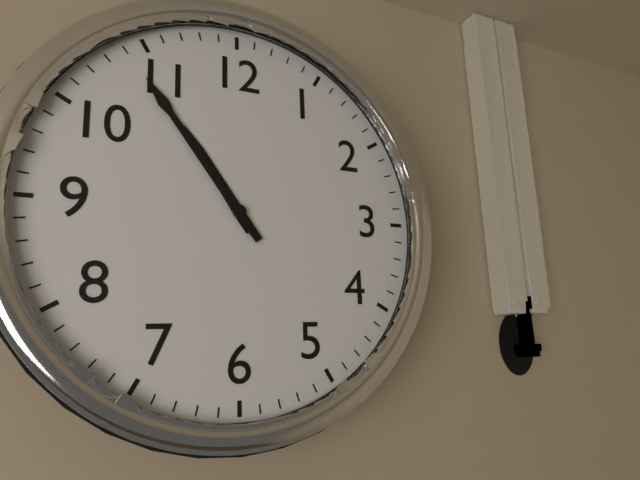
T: 10 h 54 min
